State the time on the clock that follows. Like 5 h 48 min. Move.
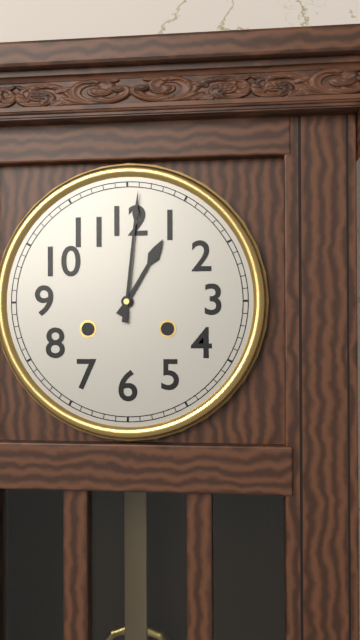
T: 1 h 01 min
